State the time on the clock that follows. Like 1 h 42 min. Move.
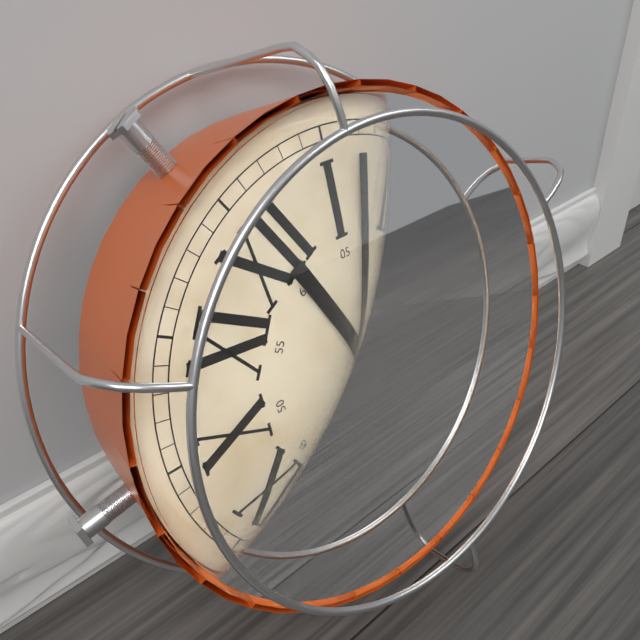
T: 12 h 07 min
